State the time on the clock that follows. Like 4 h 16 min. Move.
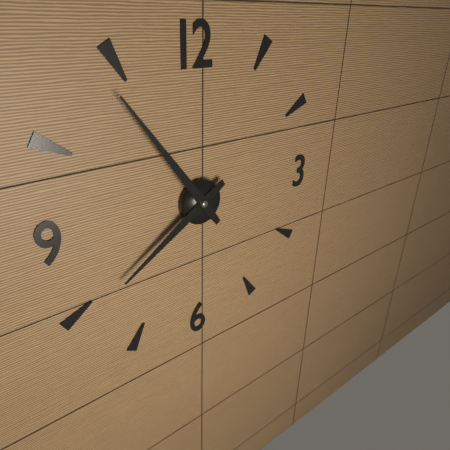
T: 7 h 54 min
